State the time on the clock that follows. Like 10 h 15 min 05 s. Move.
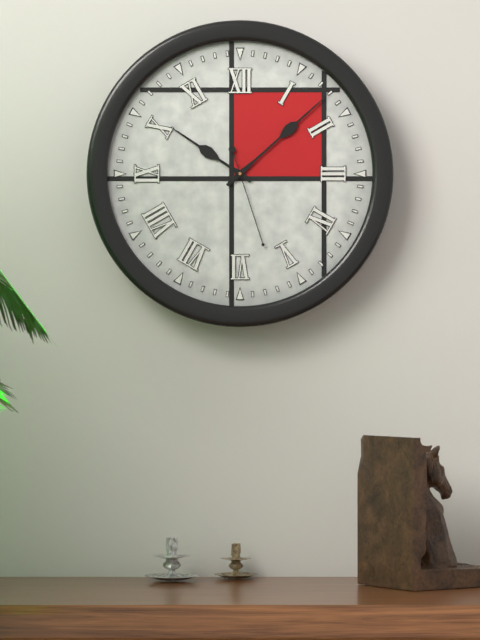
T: 10 h 08 min 27 s
